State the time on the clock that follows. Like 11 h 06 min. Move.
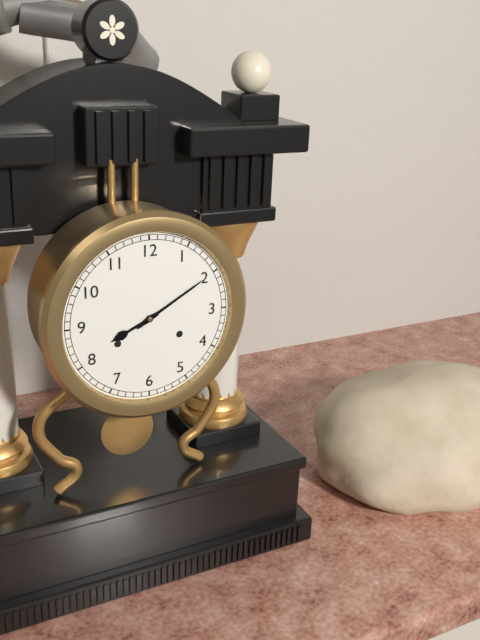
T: 8 h 10 min
